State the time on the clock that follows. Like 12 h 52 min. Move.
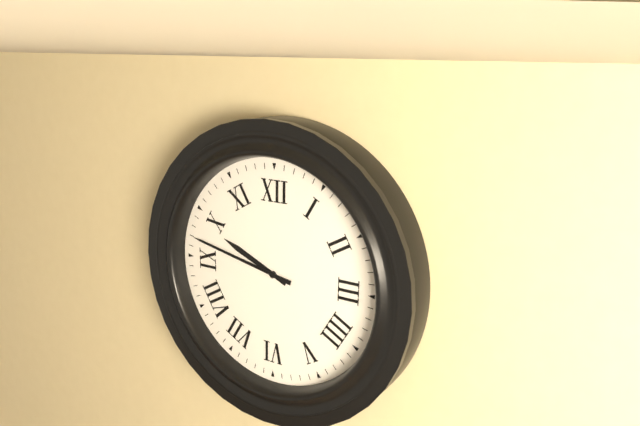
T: 9 h 47 min
